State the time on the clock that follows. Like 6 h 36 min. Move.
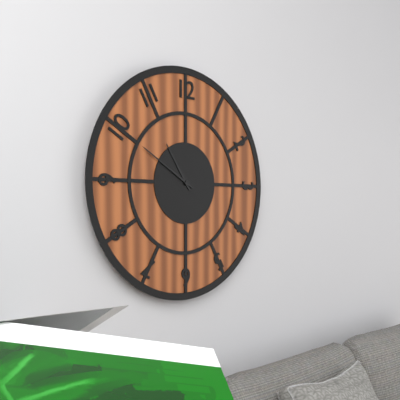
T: 10 h 50 min
